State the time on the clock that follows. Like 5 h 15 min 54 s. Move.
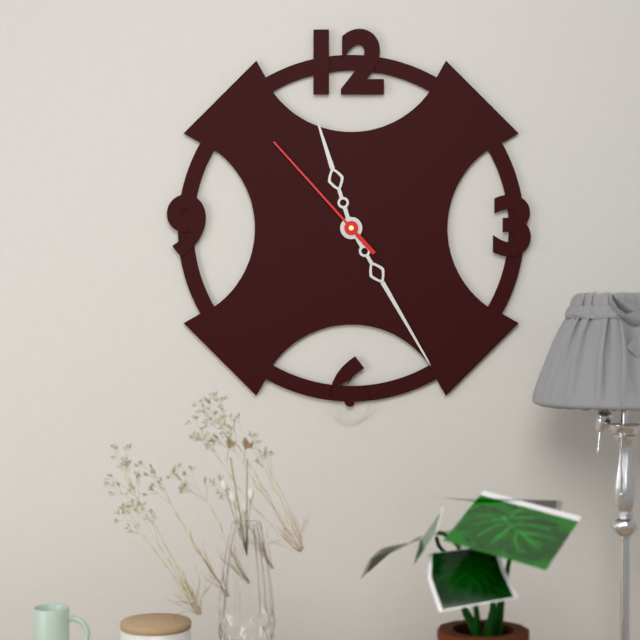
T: 11 h 25 min 53 s
